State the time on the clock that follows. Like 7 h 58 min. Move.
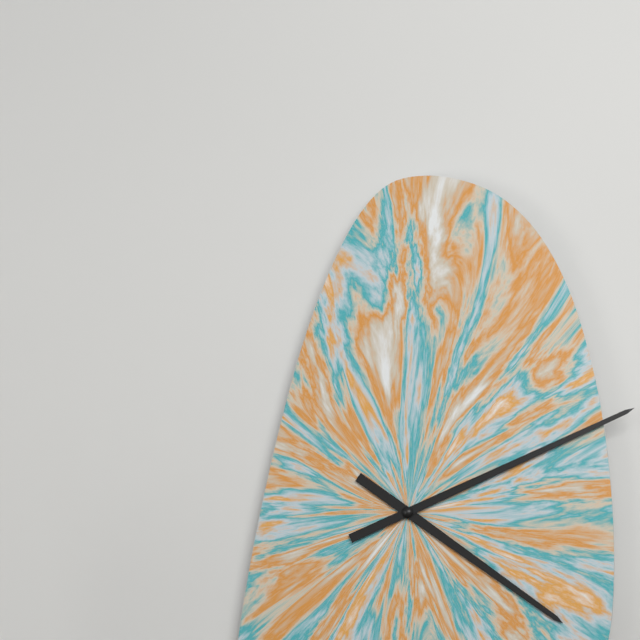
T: 4 h 11 min
